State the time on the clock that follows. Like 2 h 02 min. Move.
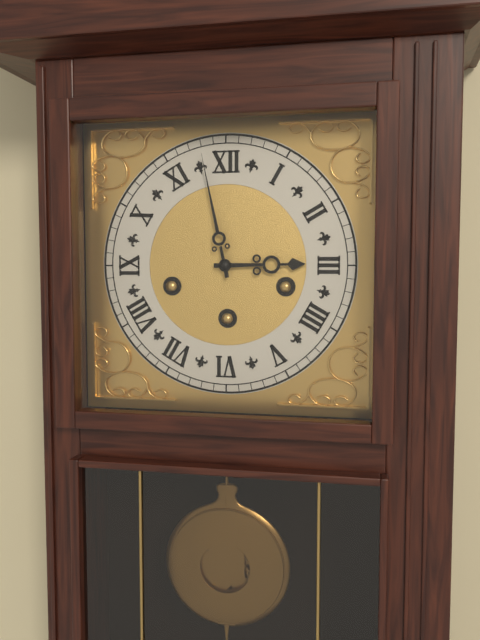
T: 2 h 58 min
